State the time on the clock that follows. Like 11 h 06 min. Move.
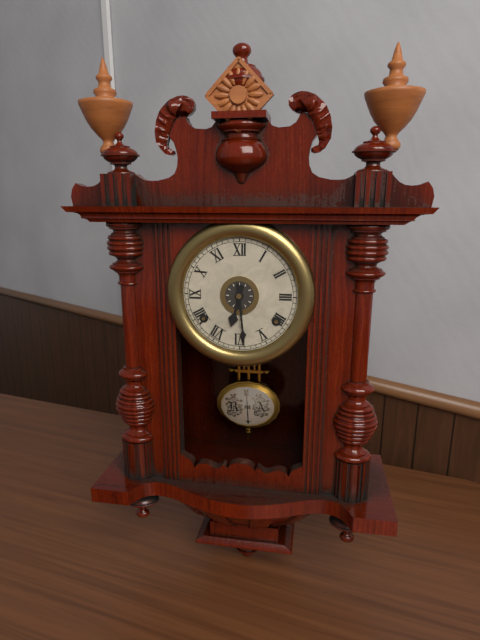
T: 6 h 29 min
